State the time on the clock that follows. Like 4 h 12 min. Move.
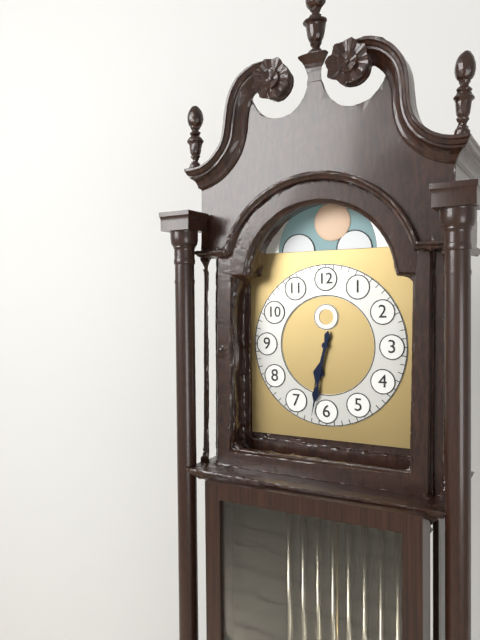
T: 6 h 32 min
